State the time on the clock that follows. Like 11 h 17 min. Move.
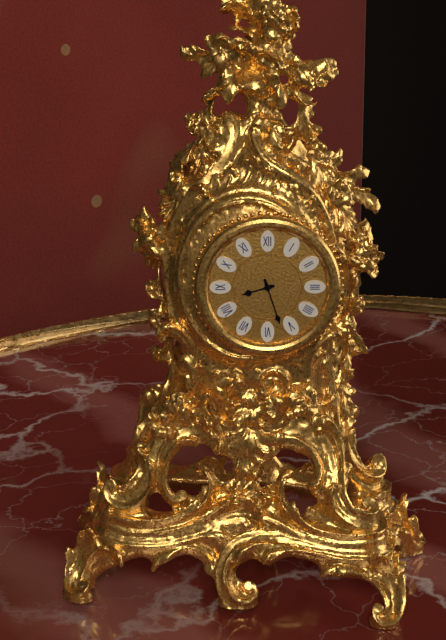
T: 8 h 27 min
